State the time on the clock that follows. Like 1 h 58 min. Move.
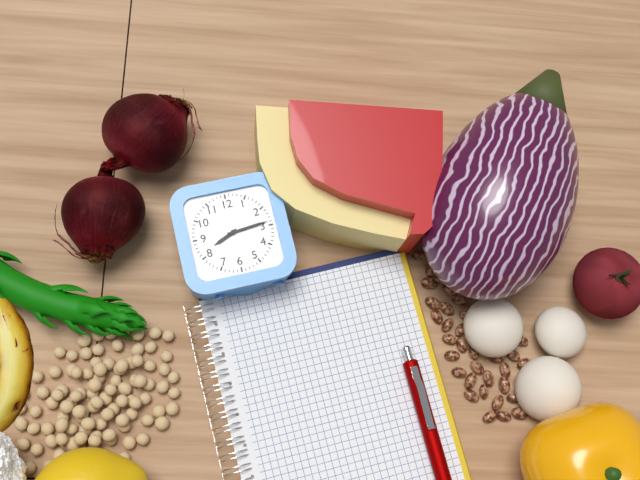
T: 8 h 14 min
